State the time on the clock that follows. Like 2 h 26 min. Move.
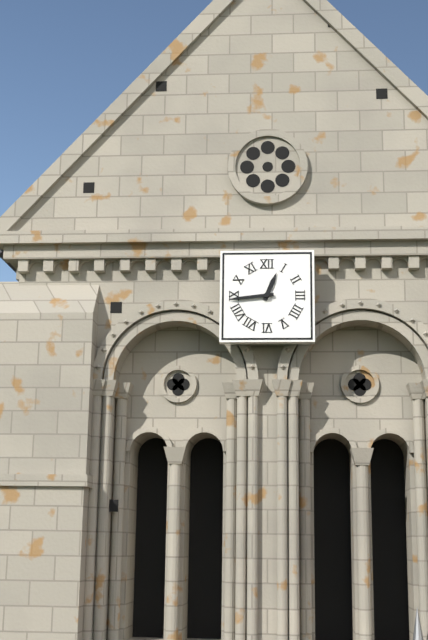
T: 12 h 44 min
